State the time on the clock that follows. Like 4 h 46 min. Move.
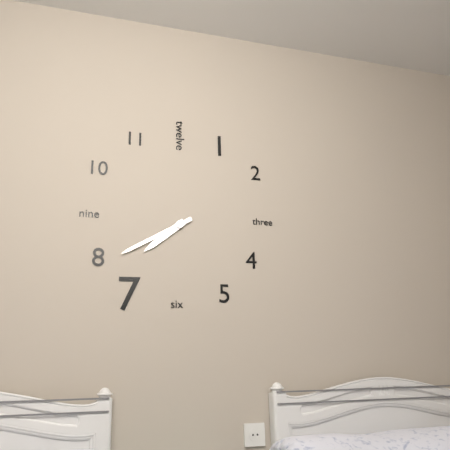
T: 7 h 40 min
